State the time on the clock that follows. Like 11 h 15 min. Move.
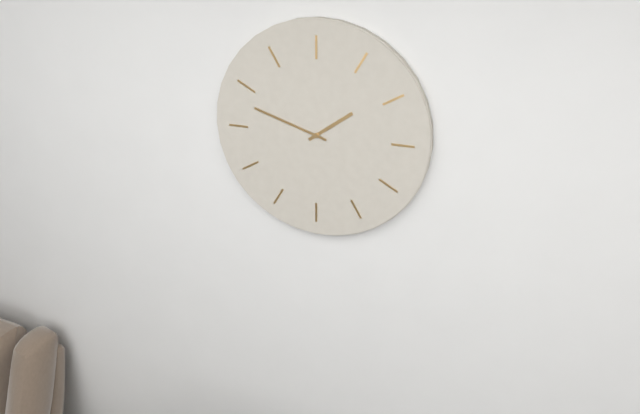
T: 1 h 48 min
